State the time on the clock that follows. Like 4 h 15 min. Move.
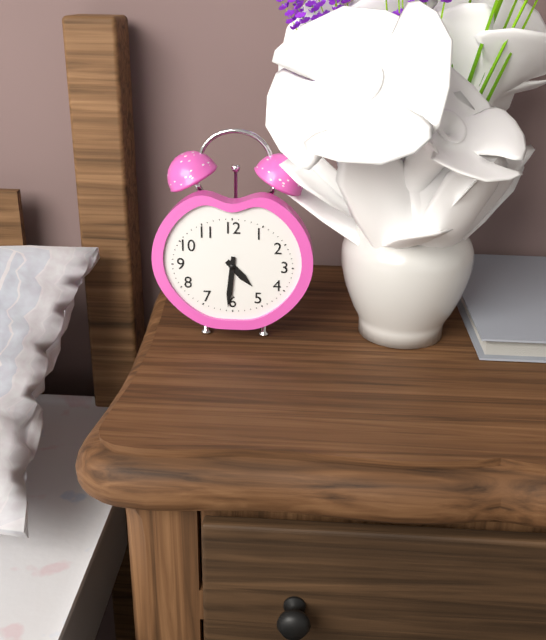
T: 4 h 31 min
